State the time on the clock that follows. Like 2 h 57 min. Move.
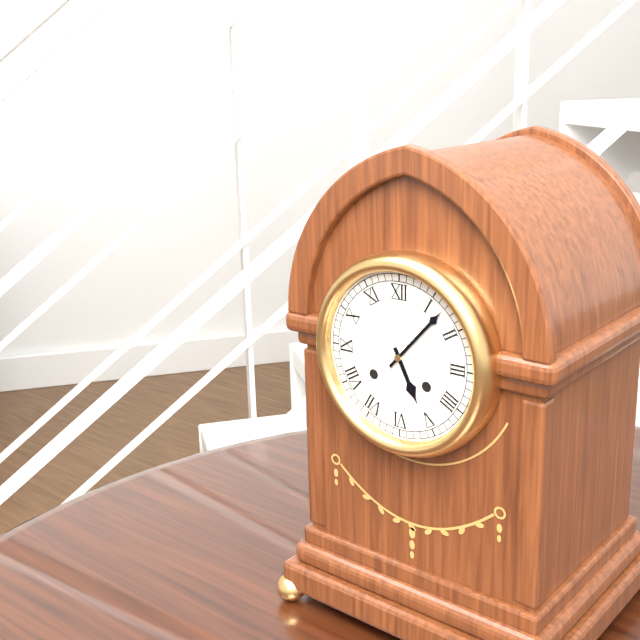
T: 5 h 07 min
